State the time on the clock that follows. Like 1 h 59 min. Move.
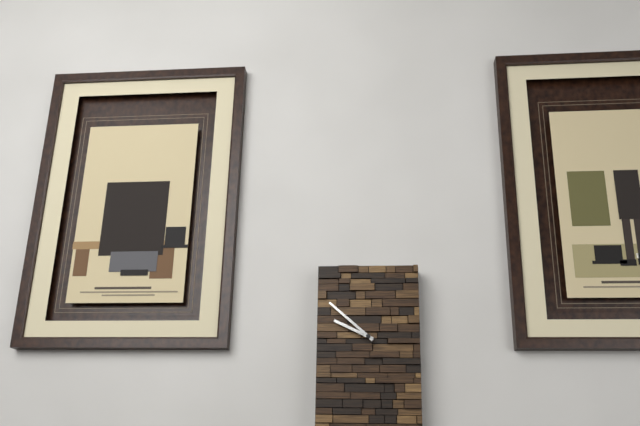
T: 9 h 52 min
